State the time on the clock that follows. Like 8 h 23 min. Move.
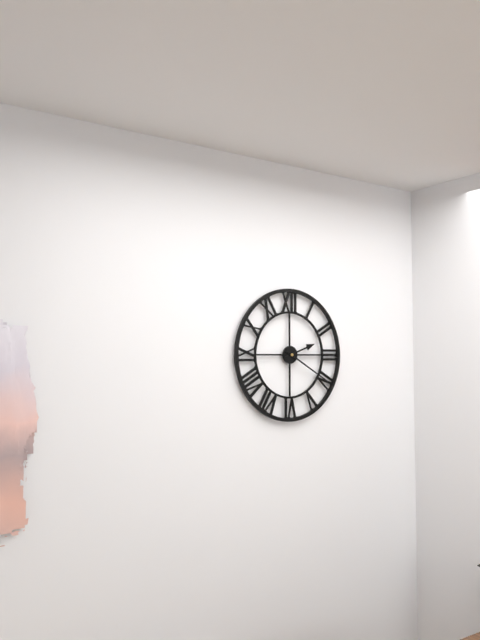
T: 2 h 20 min
